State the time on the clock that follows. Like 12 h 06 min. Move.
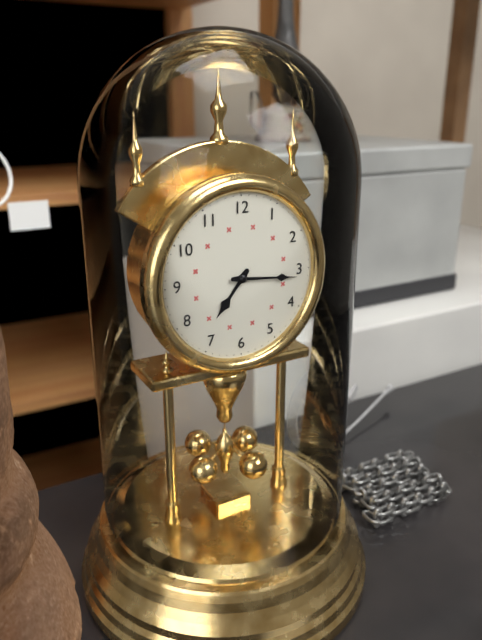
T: 7 h 16 min
